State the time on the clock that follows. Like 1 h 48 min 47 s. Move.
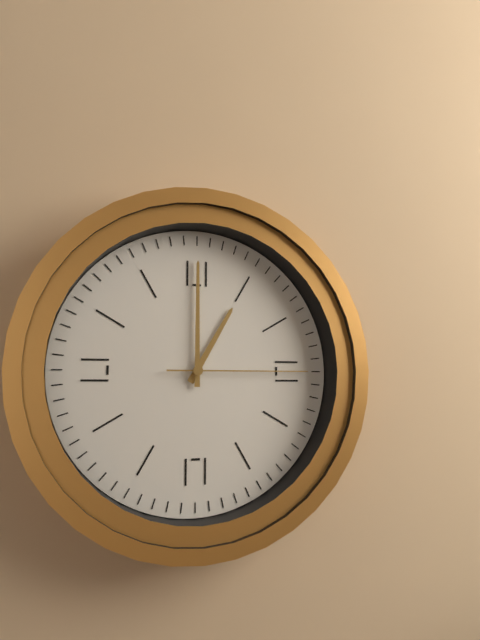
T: 1 h 00 min 15 s
